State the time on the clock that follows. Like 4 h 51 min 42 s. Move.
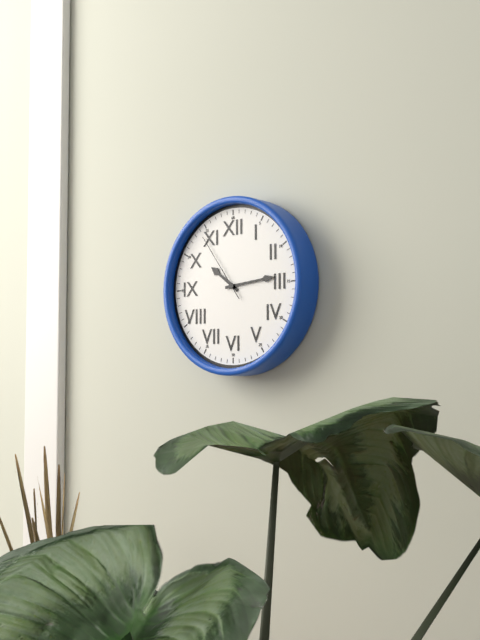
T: 10 h 14 min 54 s
